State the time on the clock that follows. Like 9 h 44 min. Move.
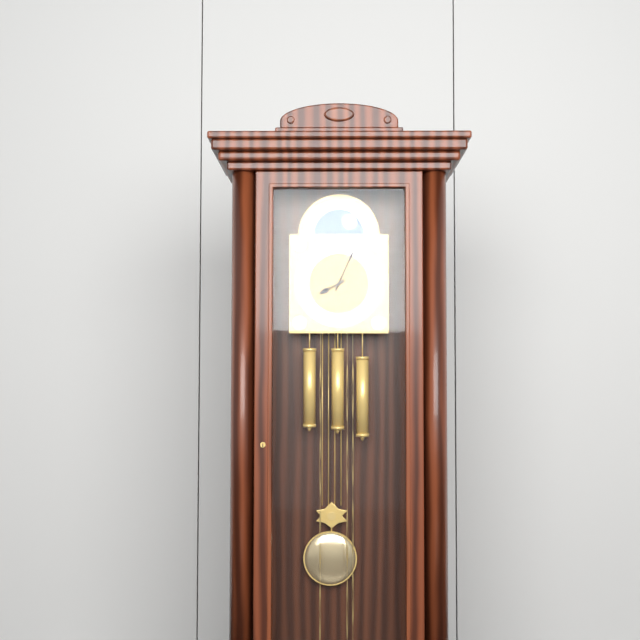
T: 8 h 04 min
